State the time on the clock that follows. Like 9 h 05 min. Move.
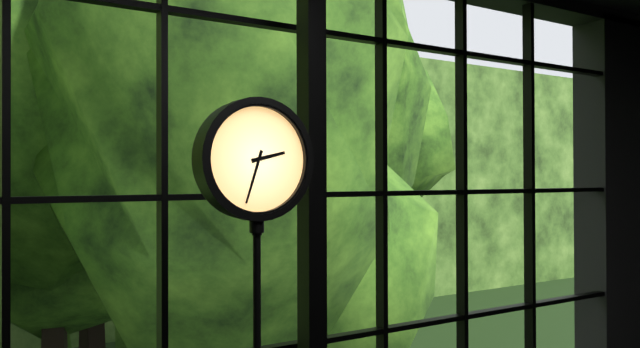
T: 2 h 33 min
